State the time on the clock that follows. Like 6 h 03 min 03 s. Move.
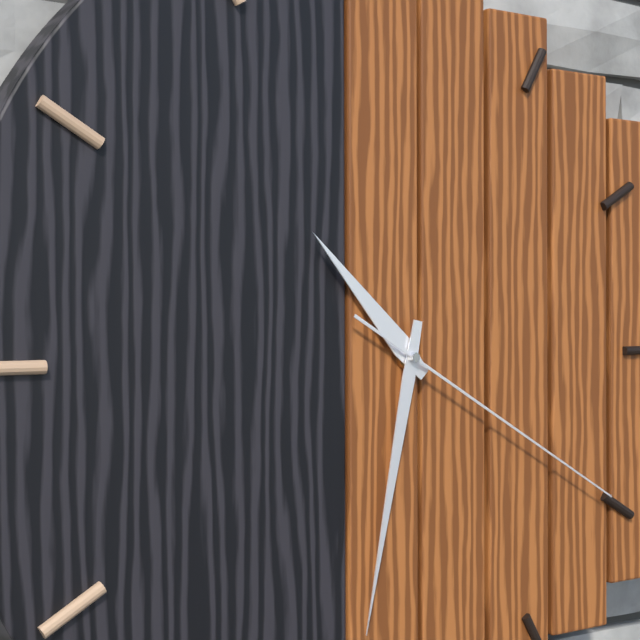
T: 10 h 32 min 20 s
